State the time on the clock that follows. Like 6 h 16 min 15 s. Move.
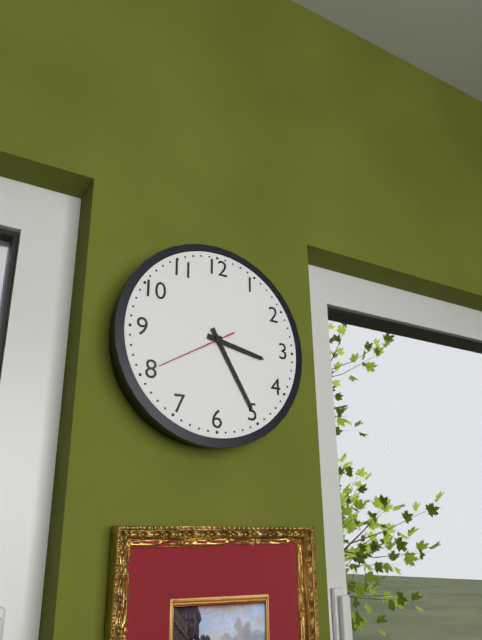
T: 3 h 25 min 40 s
